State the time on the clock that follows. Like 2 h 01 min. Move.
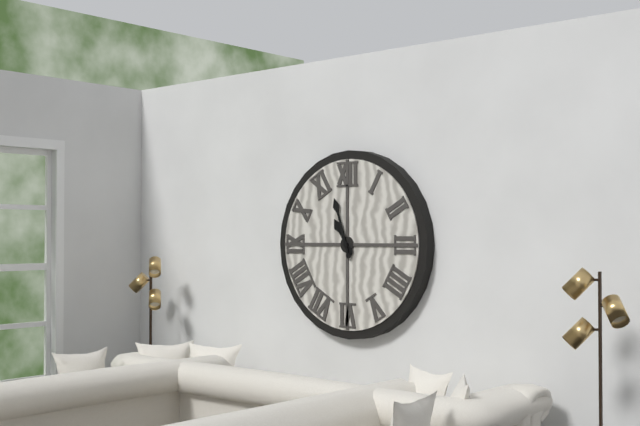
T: 10 h 57 min
